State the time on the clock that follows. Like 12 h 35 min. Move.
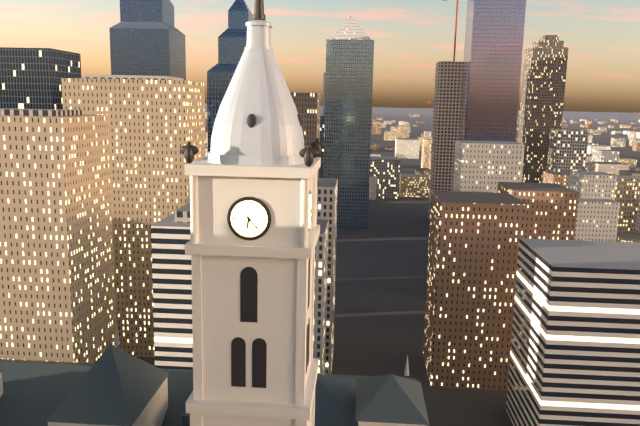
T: 6 h 23 min
